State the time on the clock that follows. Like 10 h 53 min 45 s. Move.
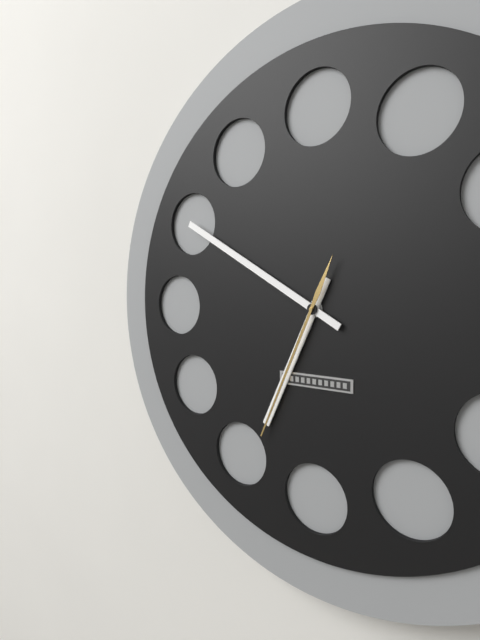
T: 6 h 50 min 34 s
